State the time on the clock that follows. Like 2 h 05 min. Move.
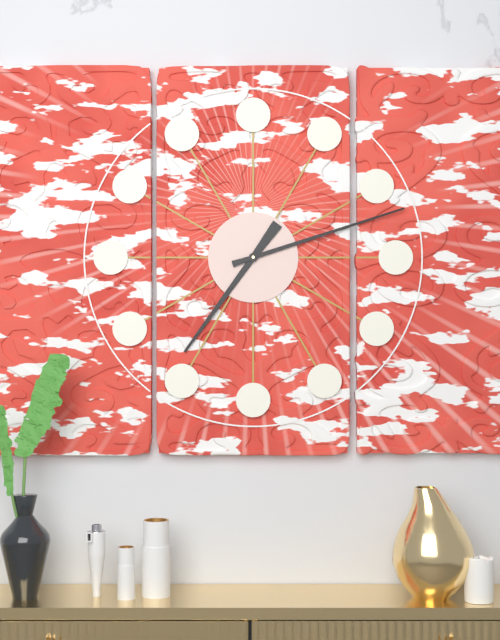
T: 7 h 12 min
